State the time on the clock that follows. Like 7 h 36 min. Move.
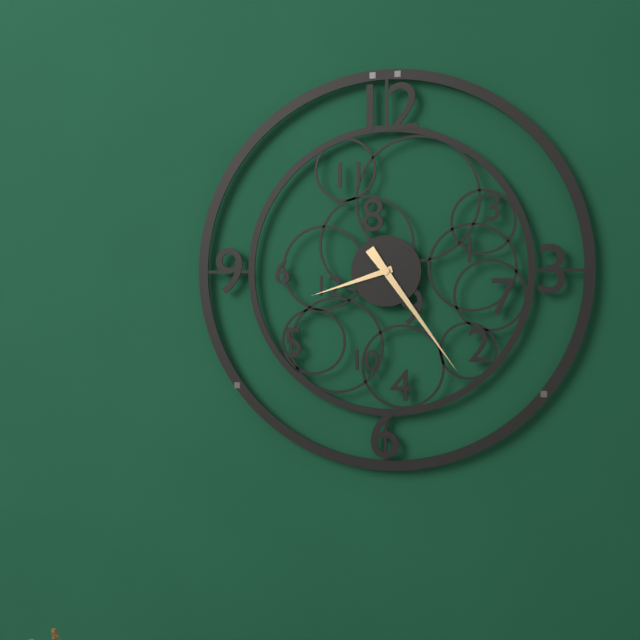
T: 8 h 24 min
